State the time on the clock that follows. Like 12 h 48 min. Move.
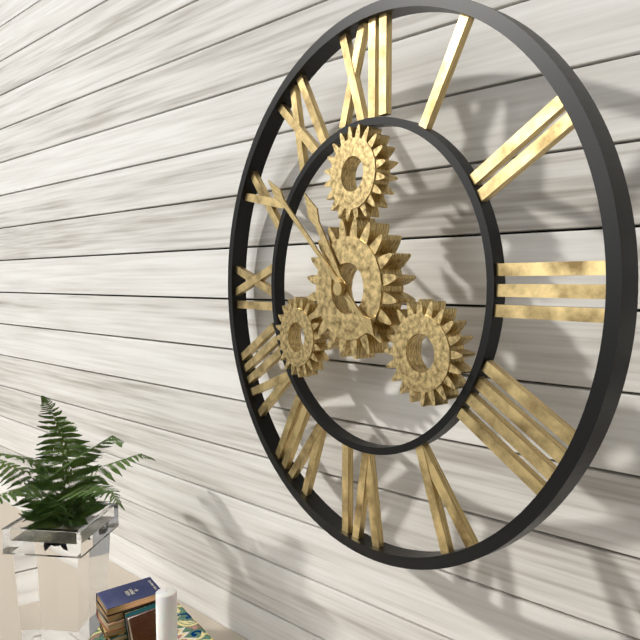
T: 10 h 52 min
